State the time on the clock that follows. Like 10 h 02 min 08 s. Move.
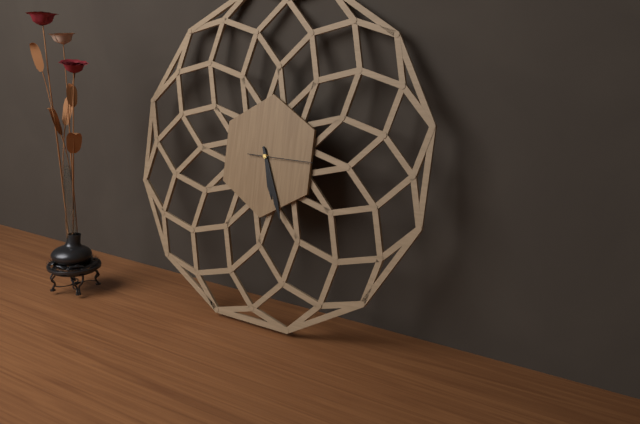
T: 5 h 26 min 15 s
